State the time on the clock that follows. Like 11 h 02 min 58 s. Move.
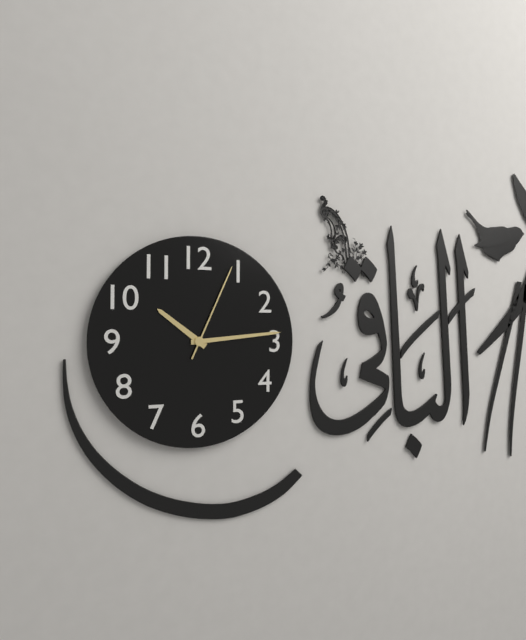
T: 10 h 14 min 04 s
